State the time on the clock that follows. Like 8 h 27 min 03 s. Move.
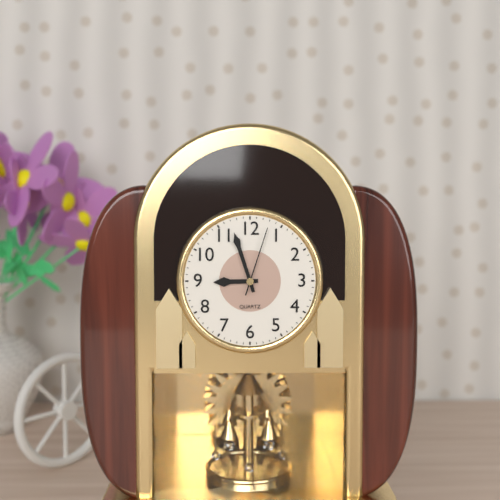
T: 8 h 57 min 03 s
